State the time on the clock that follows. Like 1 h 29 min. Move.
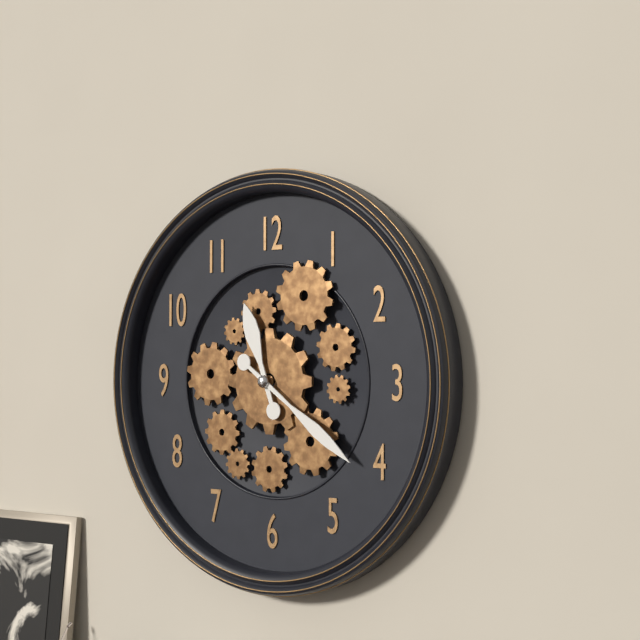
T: 11 h 21 min
